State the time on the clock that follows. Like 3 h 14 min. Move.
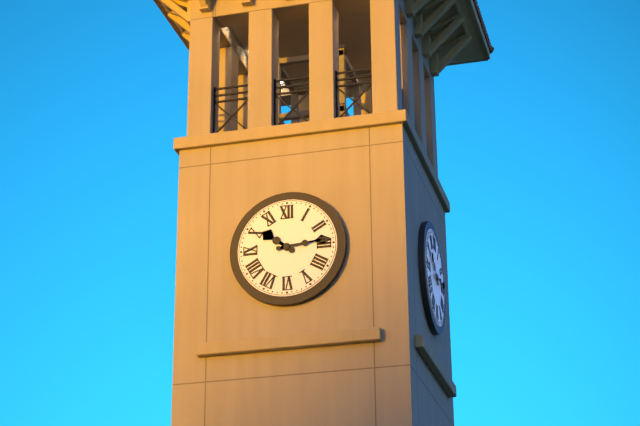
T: 10 h 14 min
